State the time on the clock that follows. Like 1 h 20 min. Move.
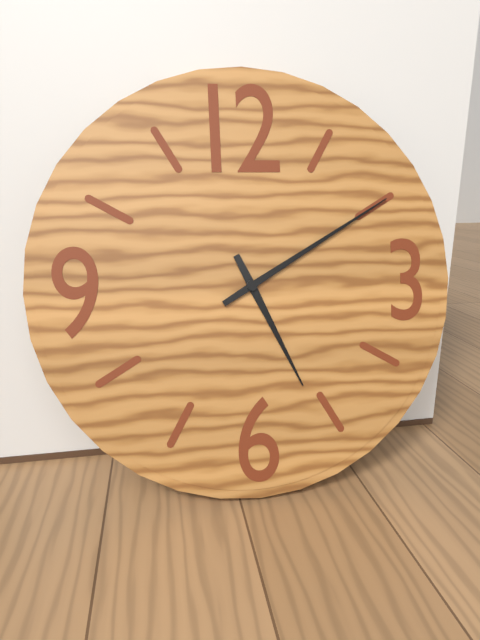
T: 5 h 10 min
